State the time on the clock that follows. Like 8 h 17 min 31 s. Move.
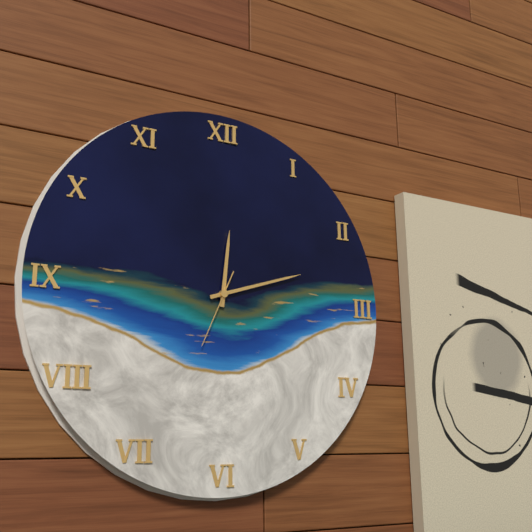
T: 12 h 12 min 34 s
